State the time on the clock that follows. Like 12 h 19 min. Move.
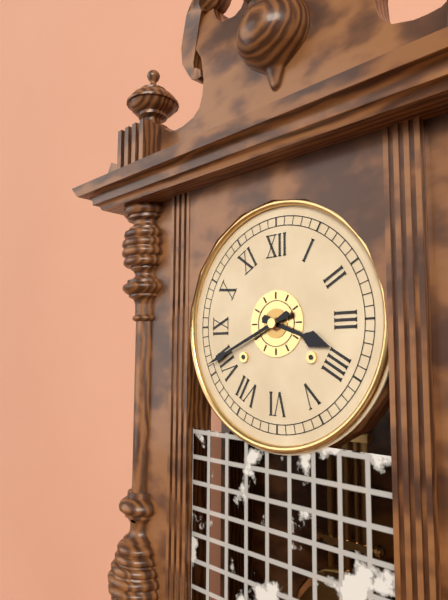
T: 3 h 41 min
